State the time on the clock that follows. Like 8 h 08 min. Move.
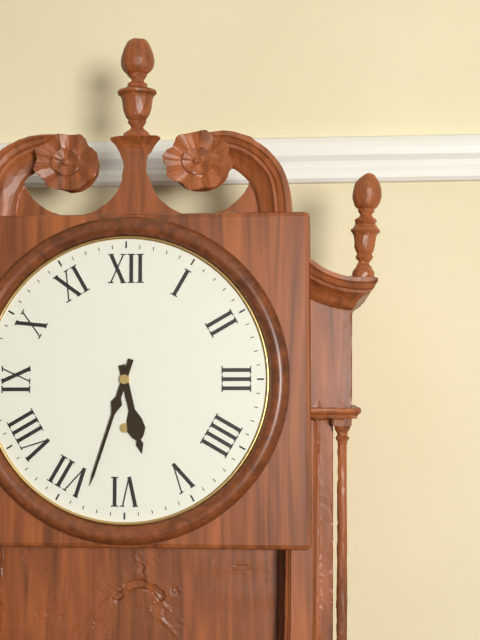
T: 5 h 33 min
